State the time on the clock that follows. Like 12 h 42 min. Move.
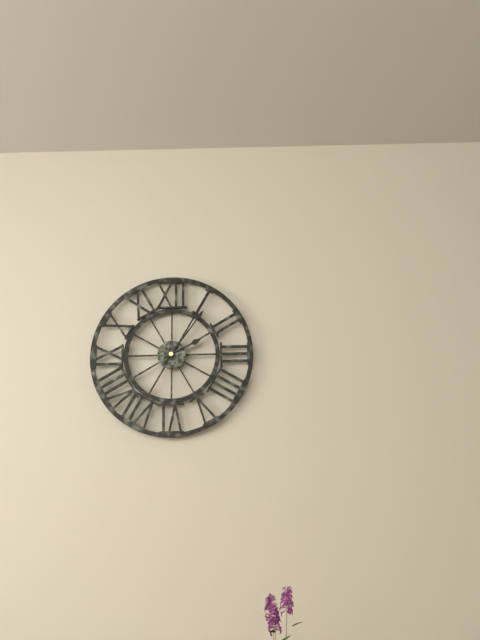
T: 2 h 06 min
